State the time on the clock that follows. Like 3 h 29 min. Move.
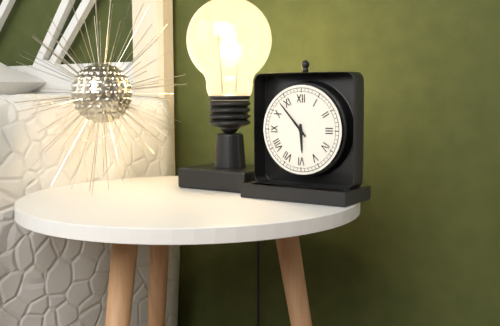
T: 5 h 53 min
